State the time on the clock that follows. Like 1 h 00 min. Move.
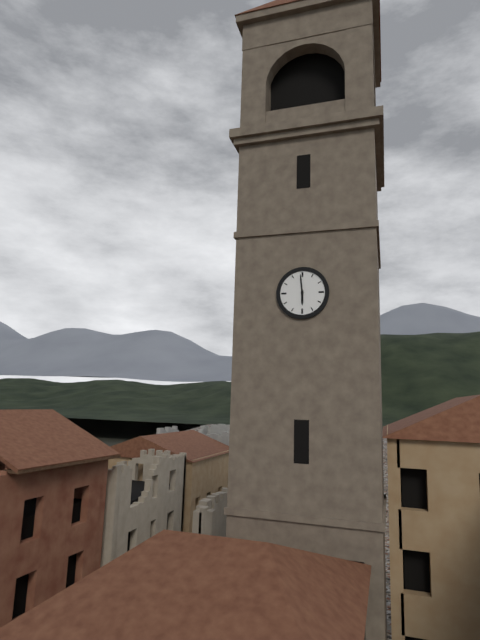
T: 5 h 59 min
